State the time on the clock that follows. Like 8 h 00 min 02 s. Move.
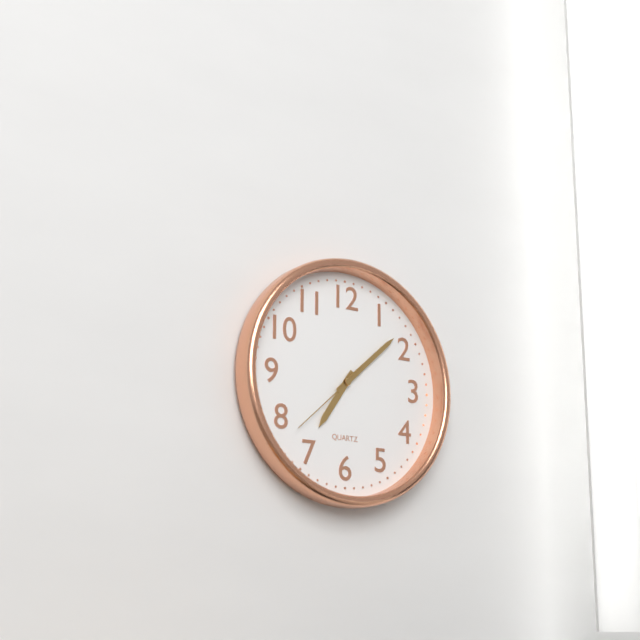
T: 7 h 08 min 38 s
